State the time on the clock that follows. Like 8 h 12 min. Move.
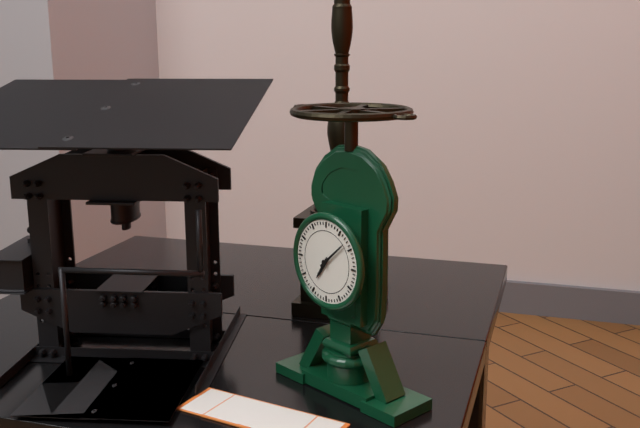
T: 7 h 08 min
